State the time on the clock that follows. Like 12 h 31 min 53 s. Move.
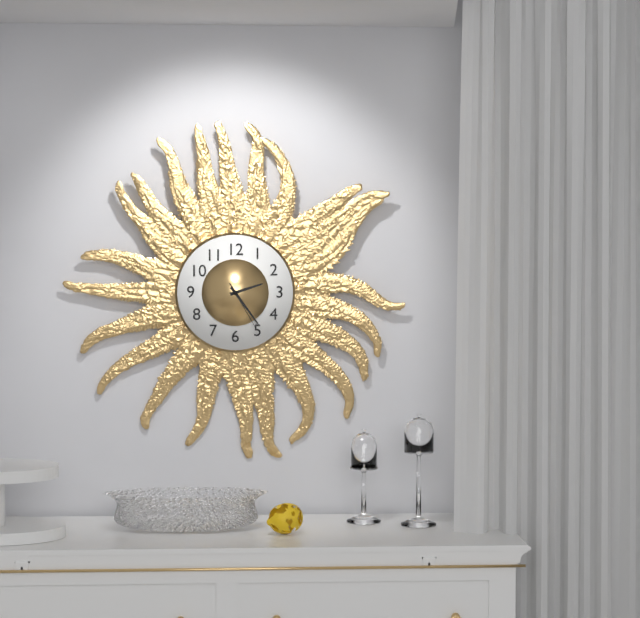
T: 2 h 24 min 25 s
